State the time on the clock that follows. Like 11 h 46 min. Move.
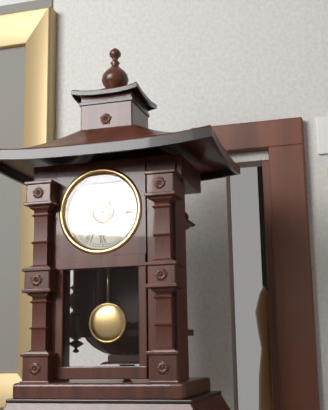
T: 1 h 16 min
